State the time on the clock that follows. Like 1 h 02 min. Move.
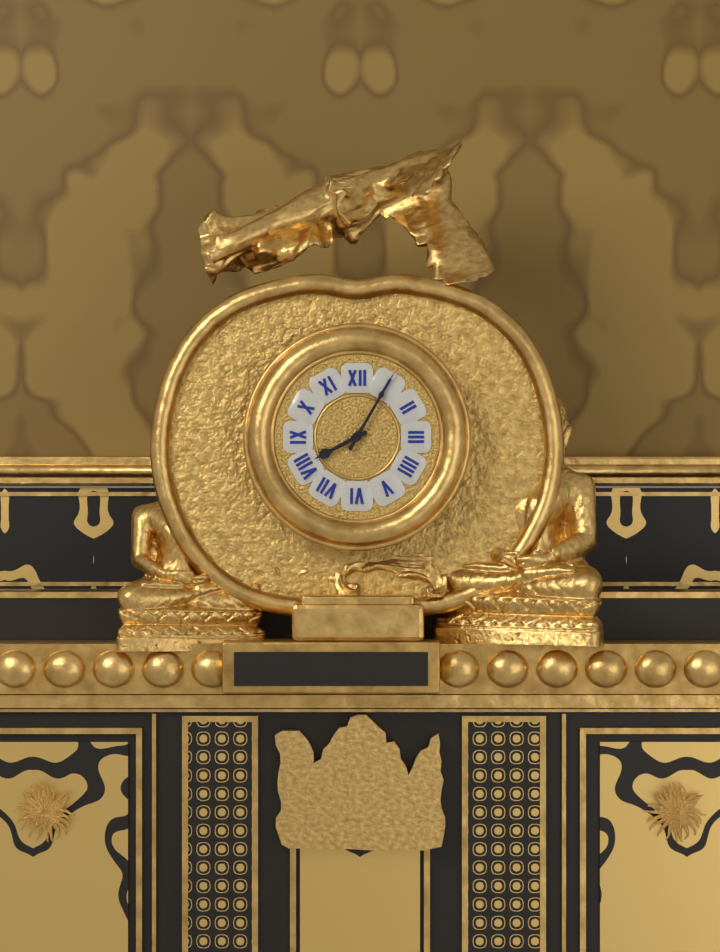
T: 8 h 05 min
